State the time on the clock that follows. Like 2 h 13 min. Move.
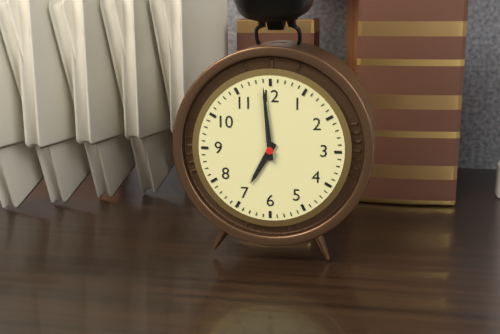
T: 6 h 59 min
